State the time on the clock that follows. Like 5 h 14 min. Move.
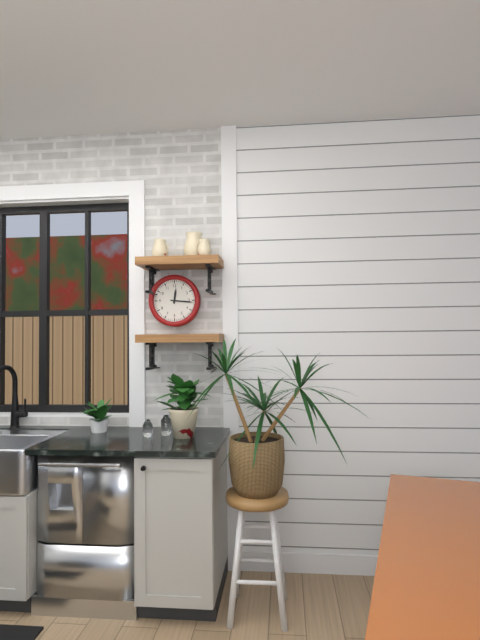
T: 12 h 16 min
